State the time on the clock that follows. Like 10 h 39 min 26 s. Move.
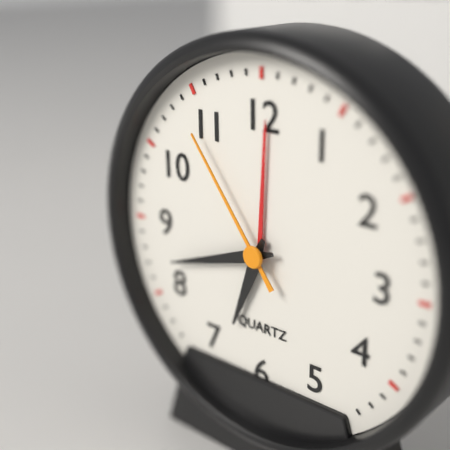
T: 6 h 42 min 54 s
